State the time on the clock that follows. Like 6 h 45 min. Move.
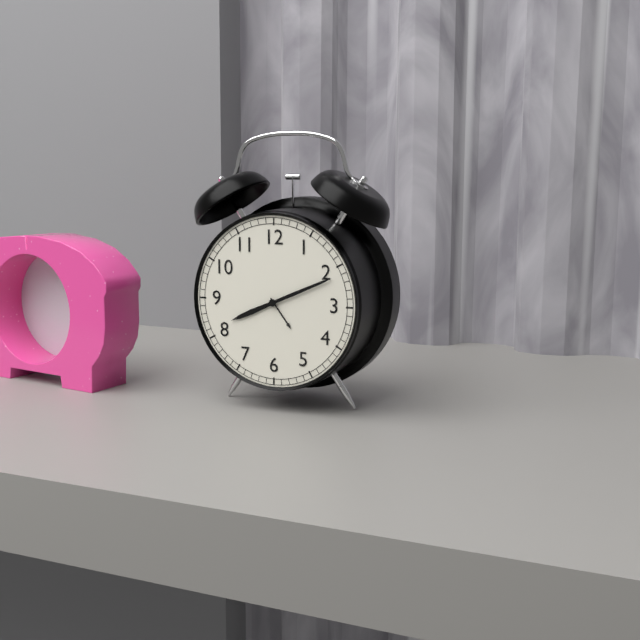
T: 8 h 11 min
